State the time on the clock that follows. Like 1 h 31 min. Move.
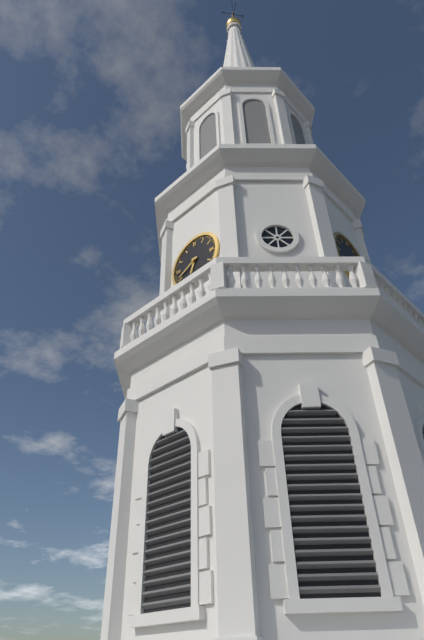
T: 6 h 41 min
